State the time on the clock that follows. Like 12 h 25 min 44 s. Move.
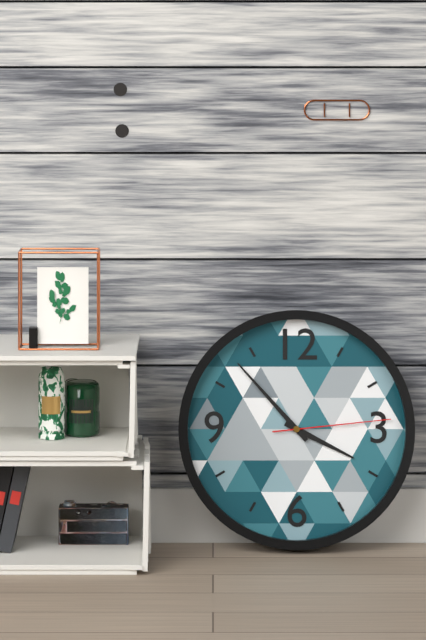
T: 3 h 53 min 14 s
